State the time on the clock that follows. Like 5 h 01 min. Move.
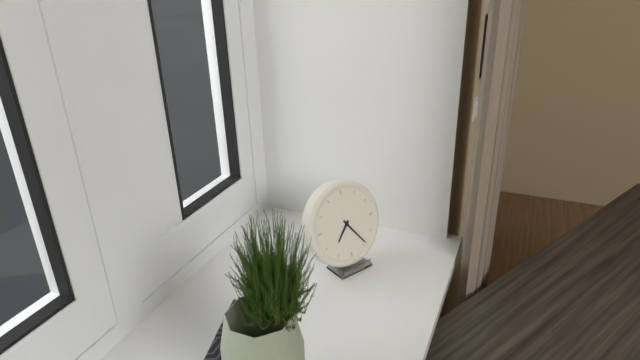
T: 7 h 24 min
